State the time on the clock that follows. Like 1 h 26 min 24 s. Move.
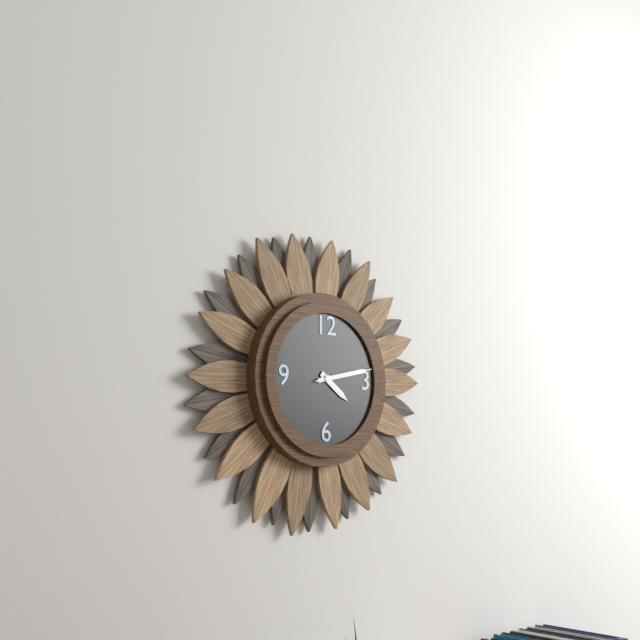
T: 4 h 13 min 13 s
